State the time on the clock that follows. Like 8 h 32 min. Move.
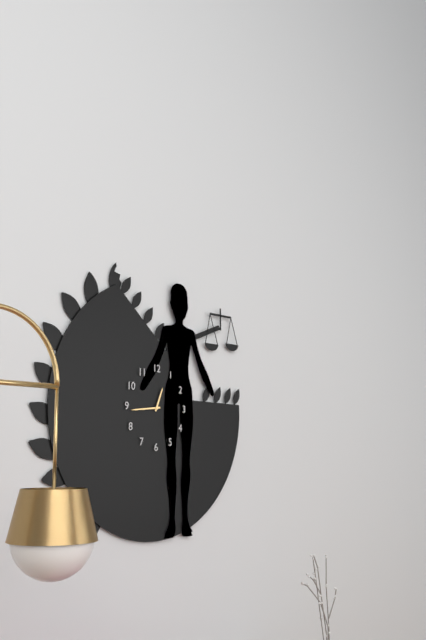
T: 12 h 44 min
